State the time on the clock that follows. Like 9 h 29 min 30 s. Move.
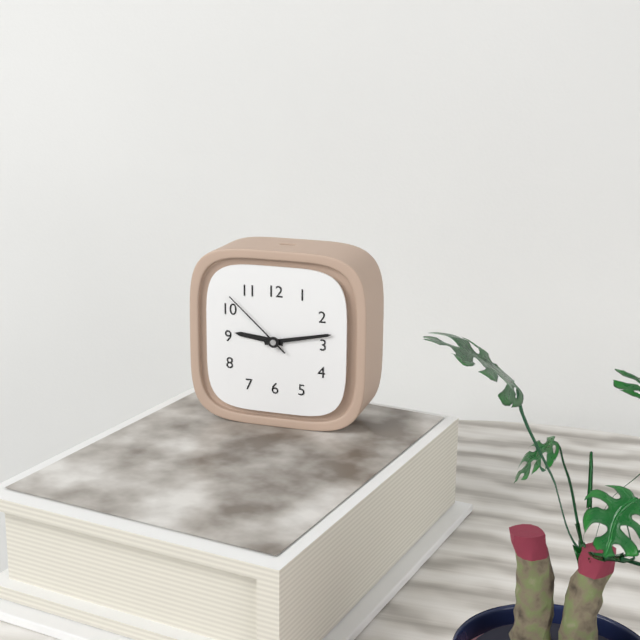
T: 9 h 13 min 52 s
